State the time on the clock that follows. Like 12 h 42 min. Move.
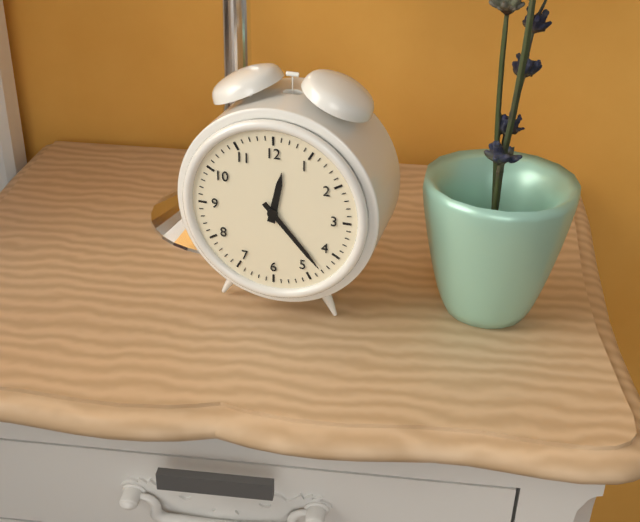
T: 12 h 23 min
